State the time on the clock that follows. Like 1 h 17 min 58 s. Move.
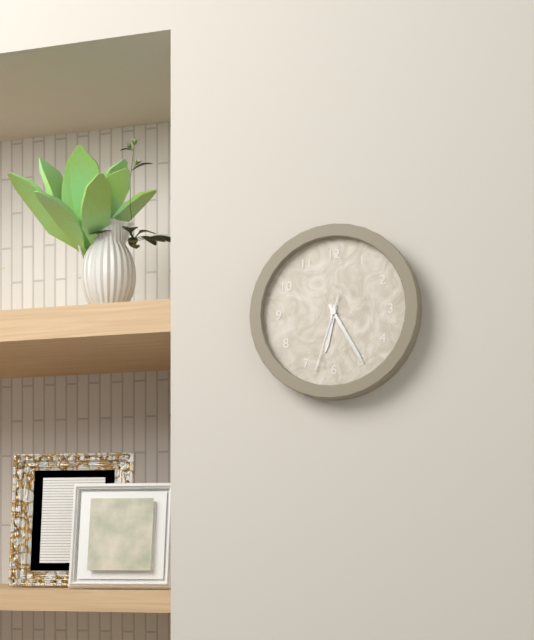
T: 6 h 25 min 33 s
